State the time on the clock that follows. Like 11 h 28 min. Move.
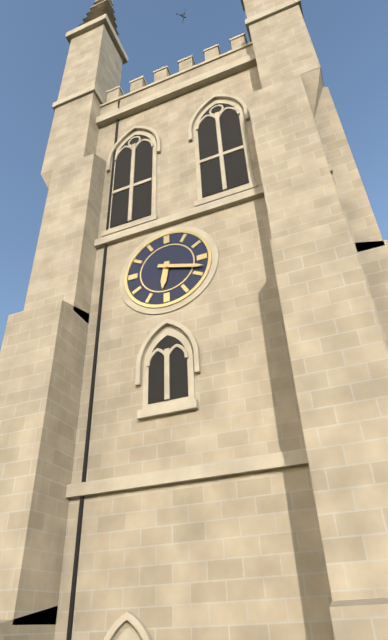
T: 6 h 18 min
